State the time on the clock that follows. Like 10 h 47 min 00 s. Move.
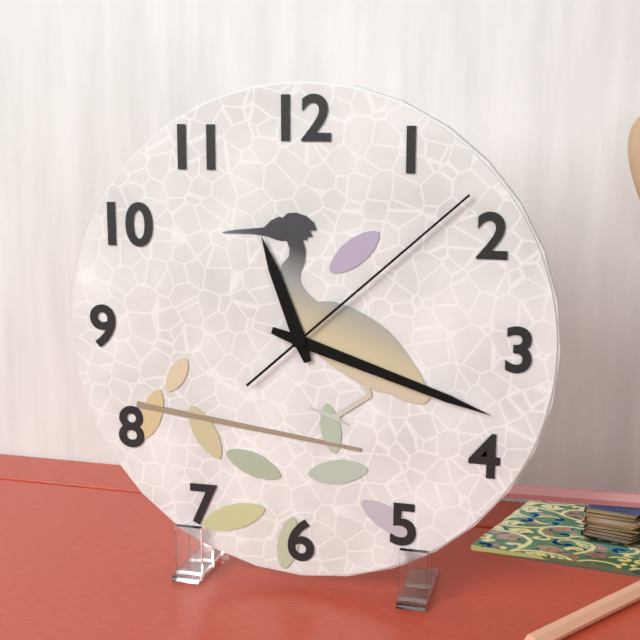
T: 11 h 18 min 08 s
